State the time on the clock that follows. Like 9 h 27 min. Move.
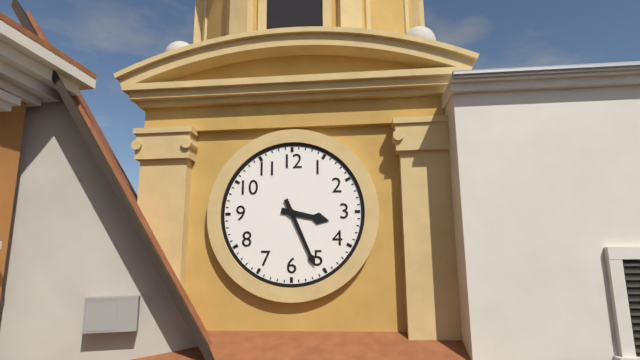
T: 3 h 26 min
